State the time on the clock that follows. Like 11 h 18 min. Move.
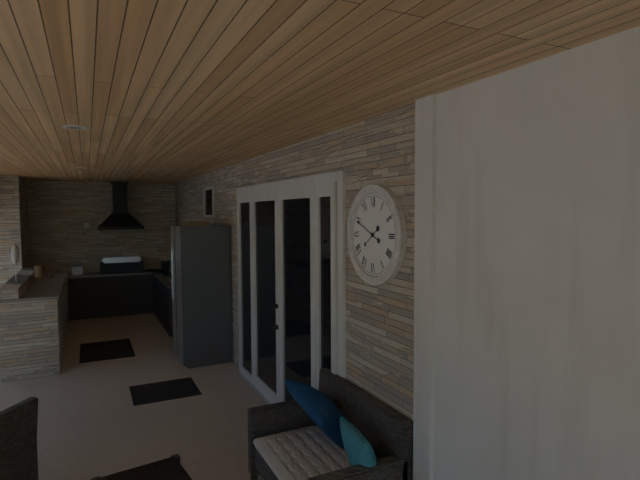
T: 7 h 49 min
